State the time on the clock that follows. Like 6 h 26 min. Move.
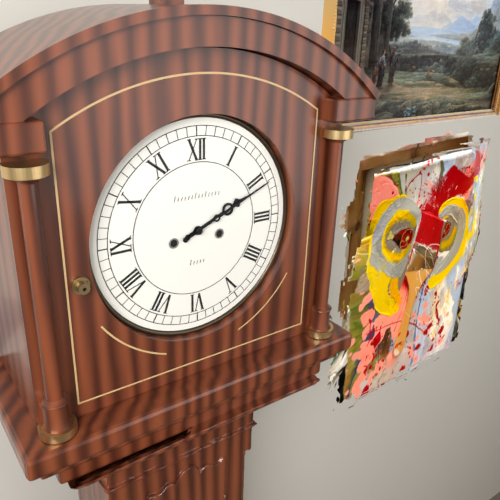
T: 2 h 11 min
